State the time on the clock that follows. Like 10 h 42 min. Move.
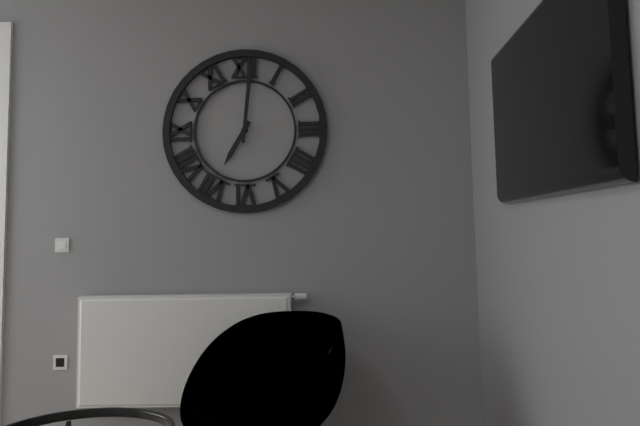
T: 7 h 01 min
